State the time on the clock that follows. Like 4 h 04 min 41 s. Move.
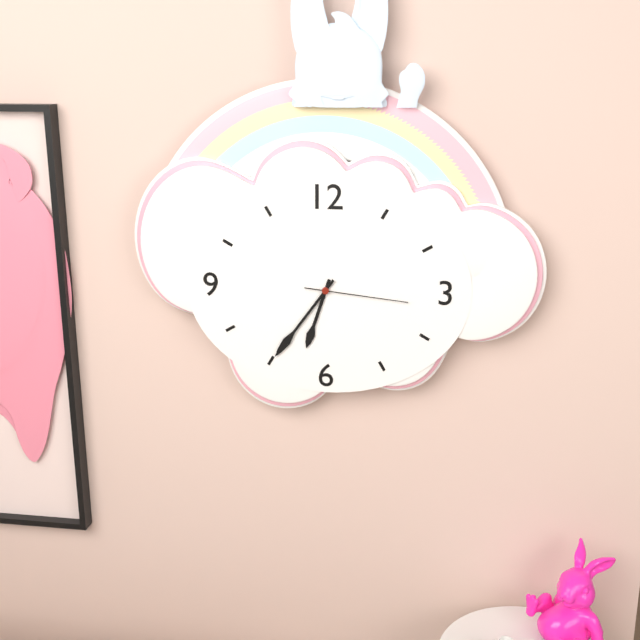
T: 6 h 36 min 16 s
